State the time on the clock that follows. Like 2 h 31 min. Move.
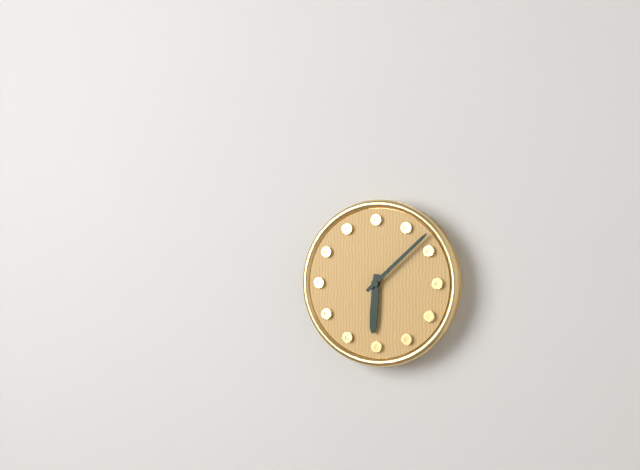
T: 6 h 08 min
